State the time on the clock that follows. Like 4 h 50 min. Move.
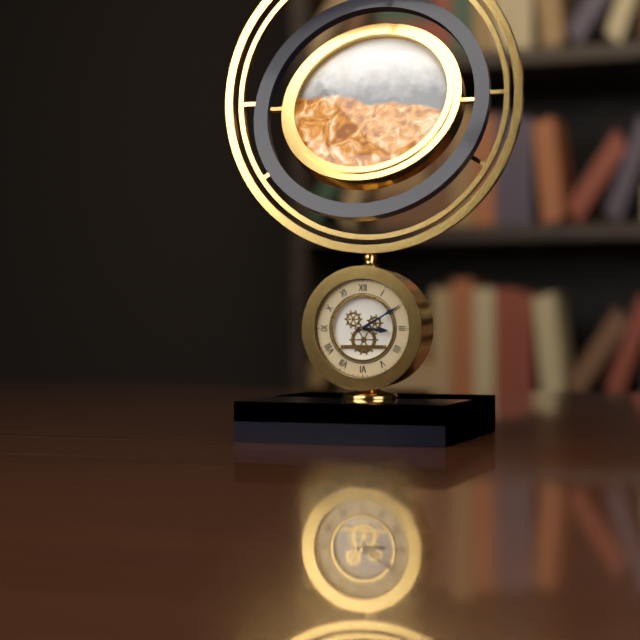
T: 3 h 10 min
